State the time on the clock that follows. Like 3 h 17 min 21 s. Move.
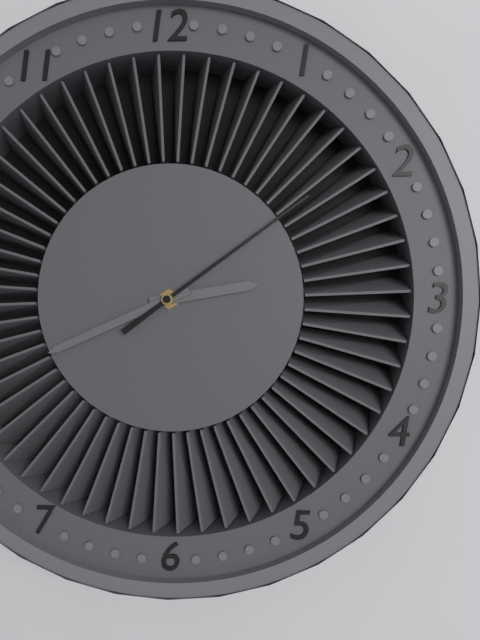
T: 2 h 41 min 09 s
